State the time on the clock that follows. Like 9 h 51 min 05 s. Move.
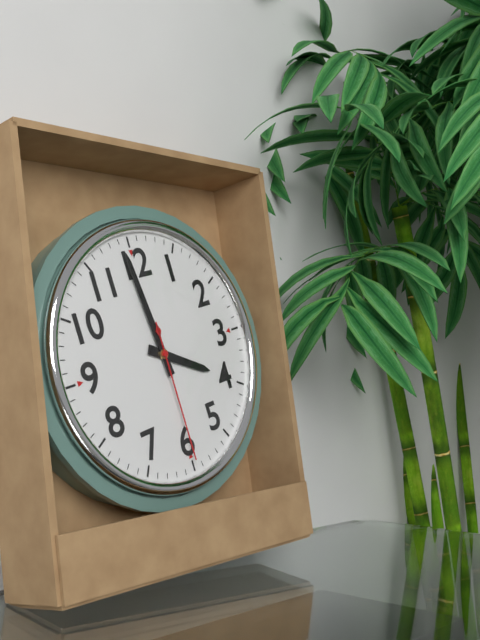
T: 3 h 59 min 30 s
